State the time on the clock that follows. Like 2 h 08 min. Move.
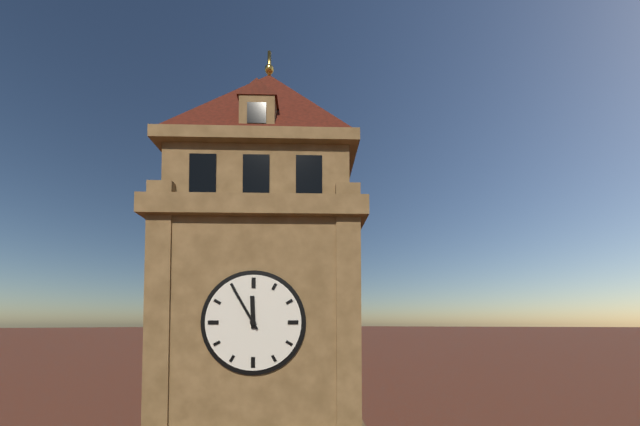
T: 11 h 55 min
